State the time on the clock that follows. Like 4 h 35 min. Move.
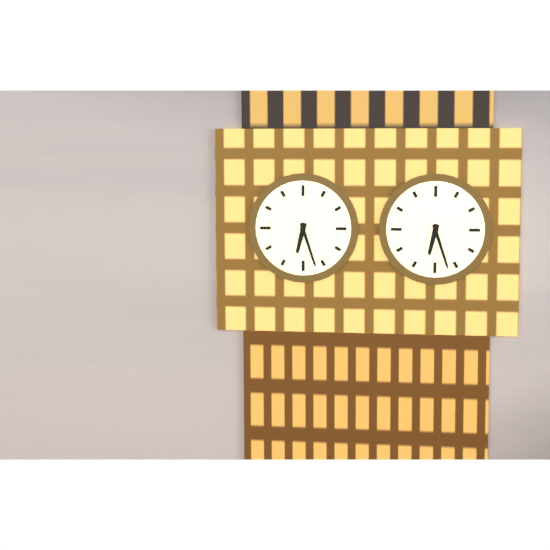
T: 6 h 27 min
